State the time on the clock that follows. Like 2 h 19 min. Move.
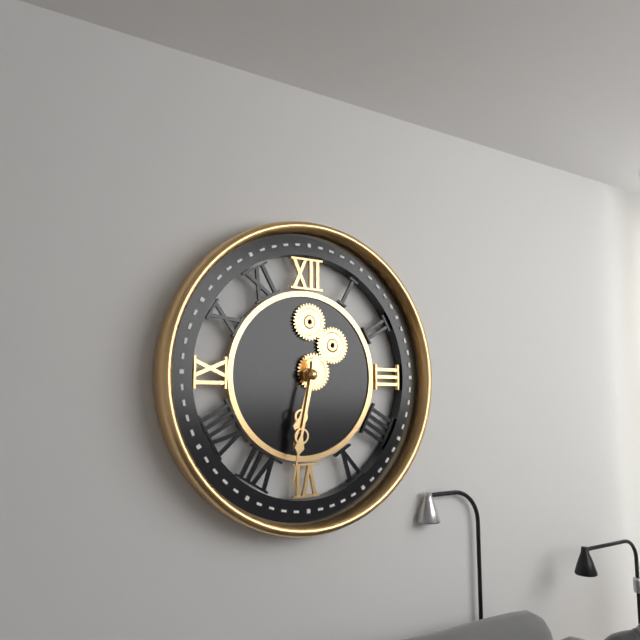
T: 6 h 32 min
